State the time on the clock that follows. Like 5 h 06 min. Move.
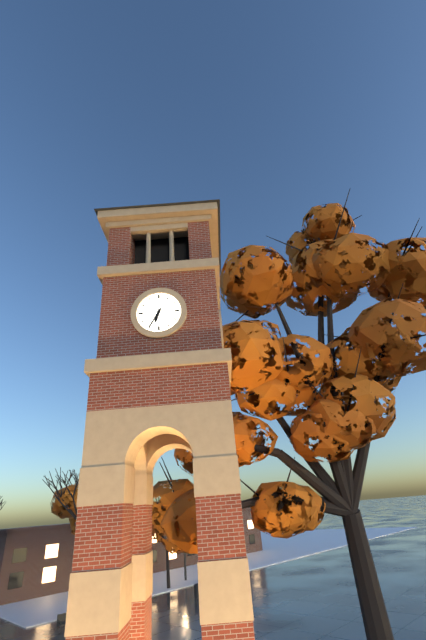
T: 6 h 35 min
